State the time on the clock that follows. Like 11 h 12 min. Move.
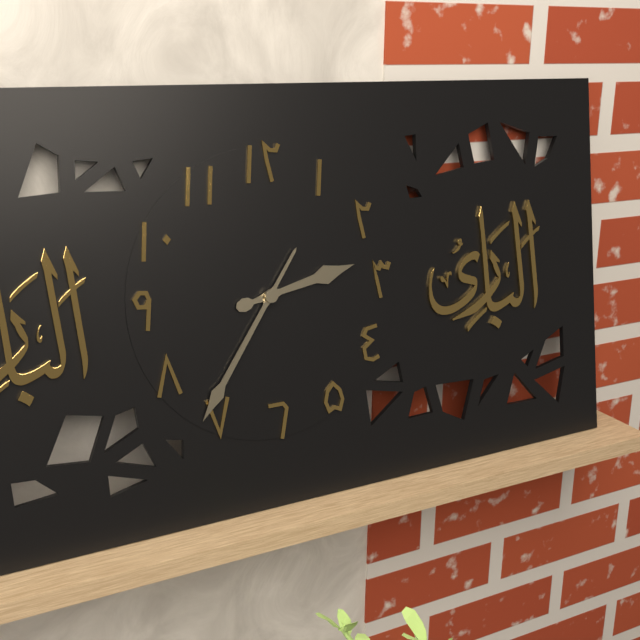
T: 2 h 36 min
